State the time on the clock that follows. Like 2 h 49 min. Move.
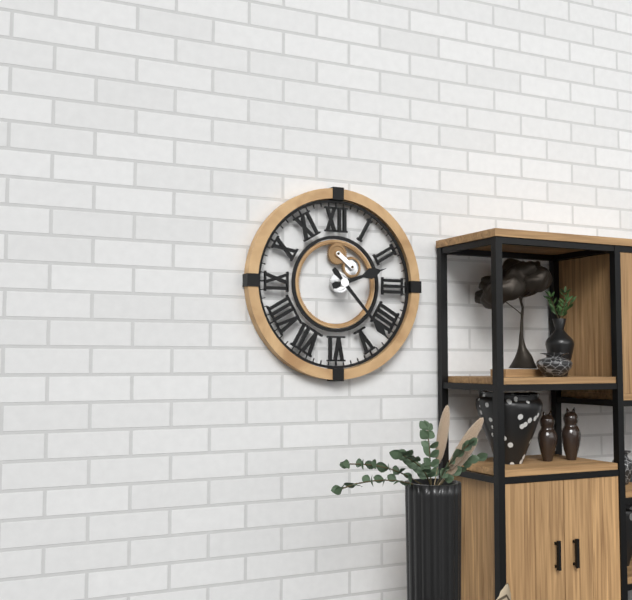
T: 2 h 23 min
